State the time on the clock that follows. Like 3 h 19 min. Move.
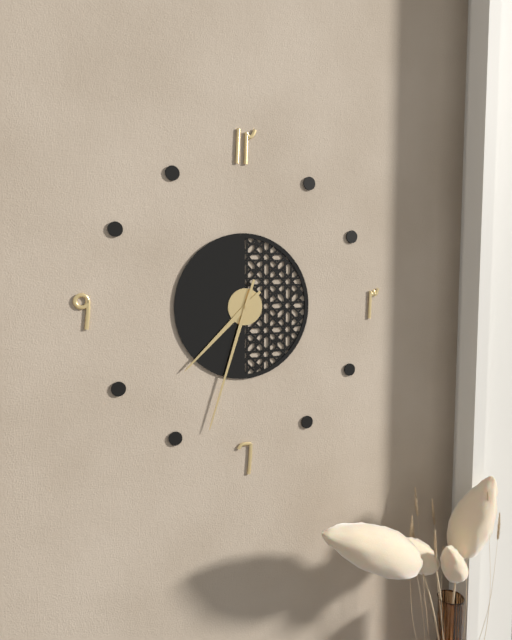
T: 7 h 33 min
